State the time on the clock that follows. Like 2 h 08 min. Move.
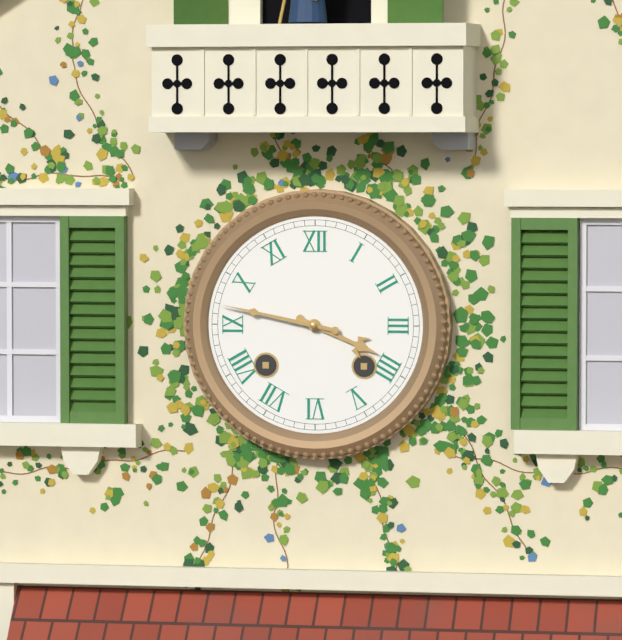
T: 3 h 47 min
